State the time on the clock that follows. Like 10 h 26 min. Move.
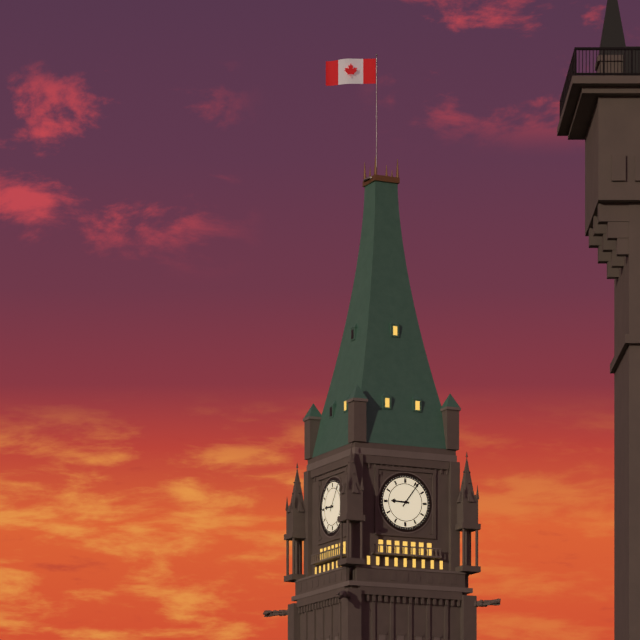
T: 9 h 06 min
